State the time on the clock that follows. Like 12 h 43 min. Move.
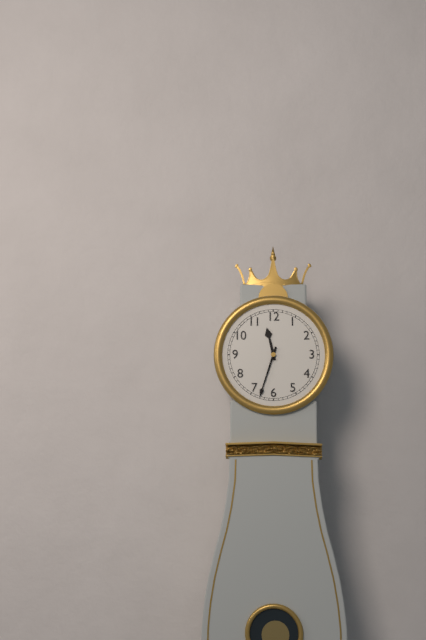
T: 11 h 33 min
